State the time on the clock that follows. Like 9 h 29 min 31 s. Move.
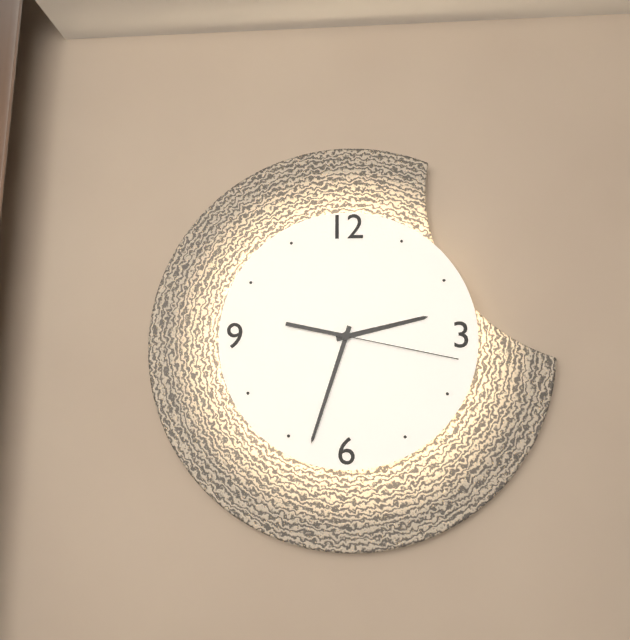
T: 2 h 33 min 17 s
